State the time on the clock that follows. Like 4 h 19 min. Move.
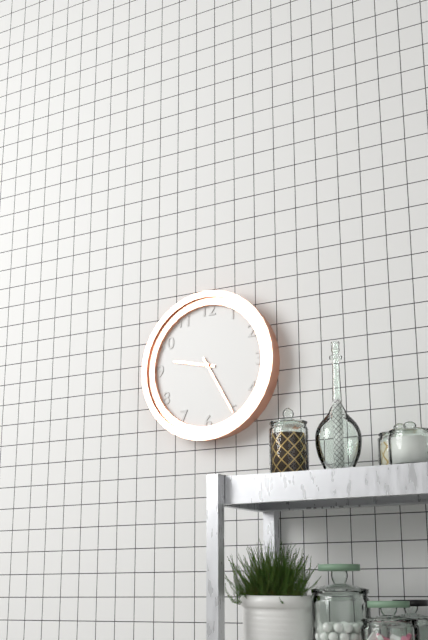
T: 9 h 25 min
